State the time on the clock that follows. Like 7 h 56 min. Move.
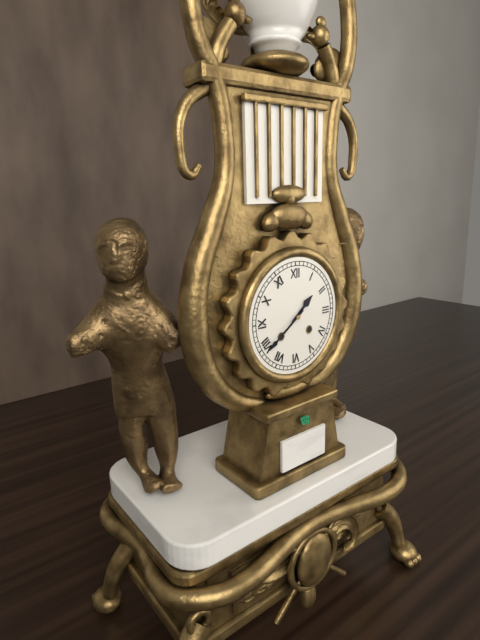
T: 1 h 39 min
